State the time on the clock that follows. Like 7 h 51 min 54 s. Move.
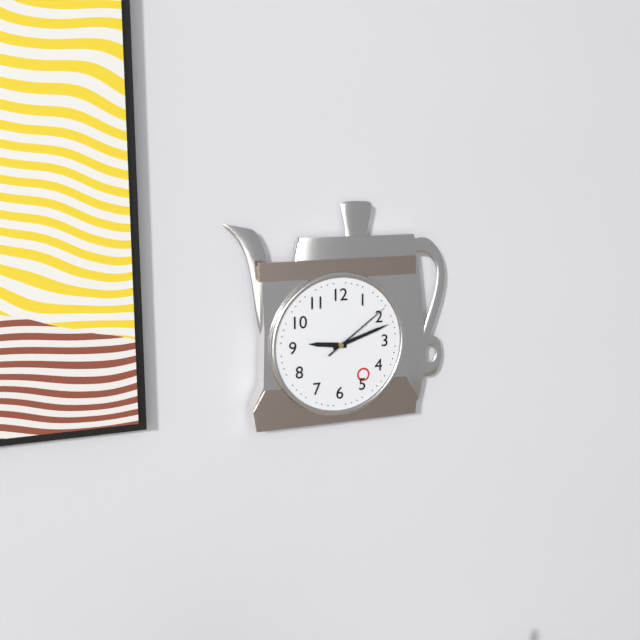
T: 9 h 12 min 09 s
